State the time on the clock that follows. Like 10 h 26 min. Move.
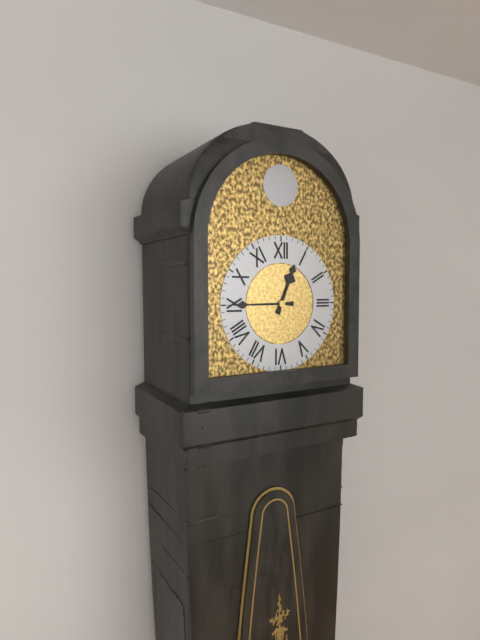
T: 12 h 45 min
